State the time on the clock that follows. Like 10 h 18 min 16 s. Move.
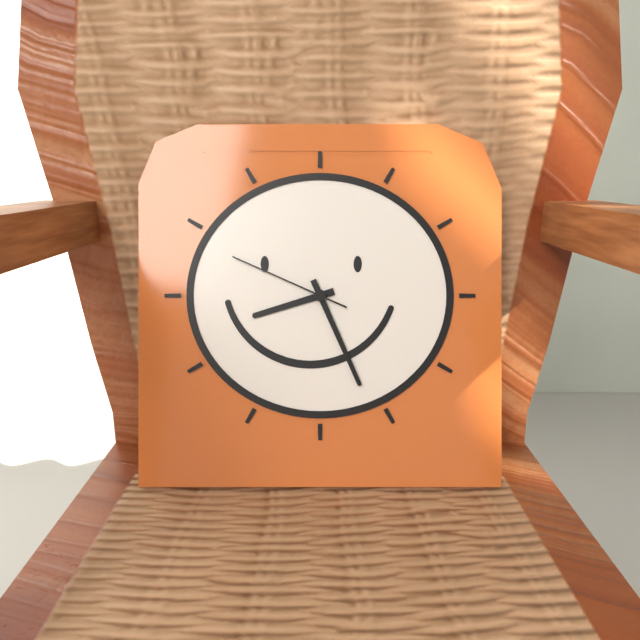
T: 8 h 26 min 49 s
